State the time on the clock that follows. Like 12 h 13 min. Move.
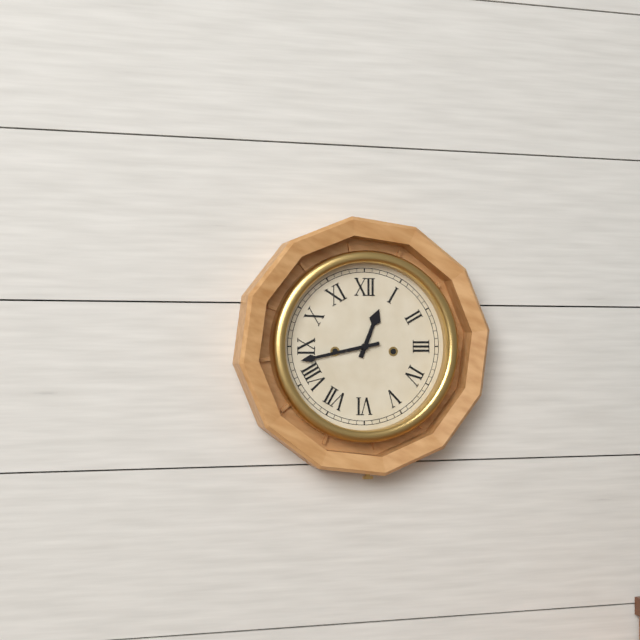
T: 12 h 43 min
